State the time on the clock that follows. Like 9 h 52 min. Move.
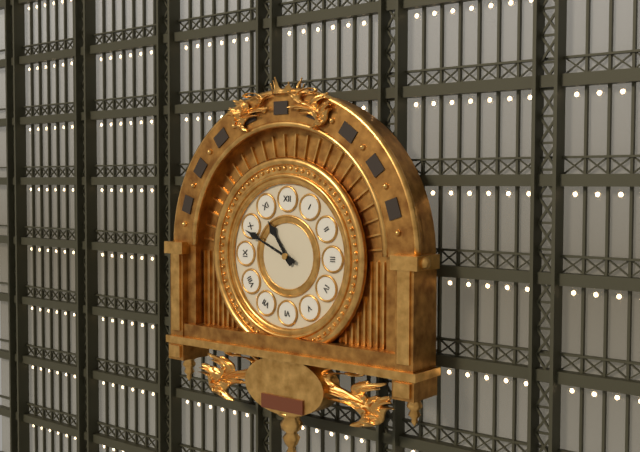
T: 10 h 49 min
